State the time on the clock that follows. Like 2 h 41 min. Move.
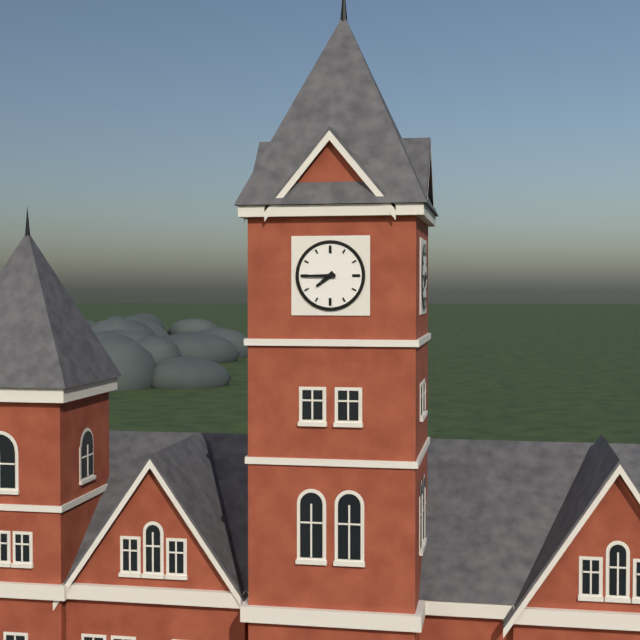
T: 7 h 45 min
